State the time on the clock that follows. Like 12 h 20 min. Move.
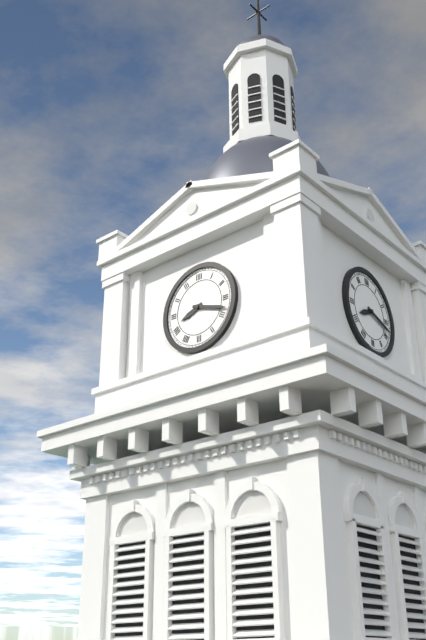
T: 8 h 18 min
